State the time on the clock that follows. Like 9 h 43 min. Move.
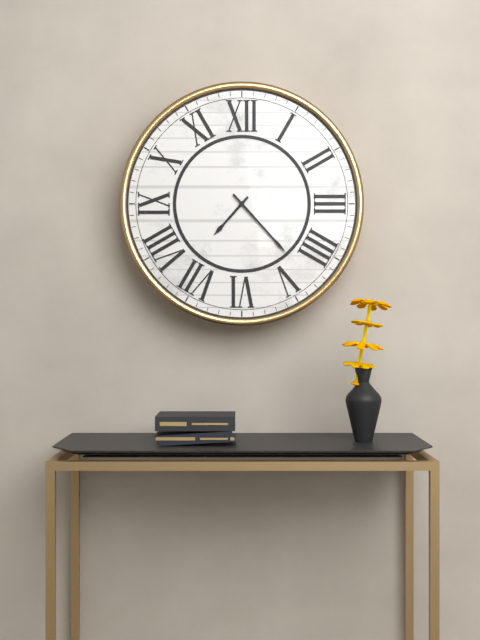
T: 7 h 23 min
